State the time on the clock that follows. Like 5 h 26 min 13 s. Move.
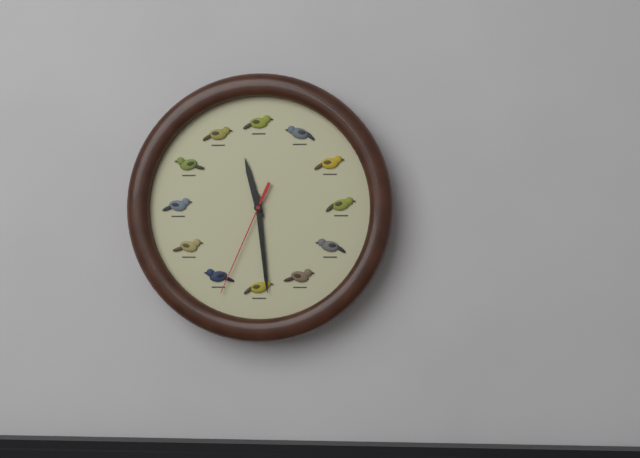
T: 11 h 29 min 34 s
